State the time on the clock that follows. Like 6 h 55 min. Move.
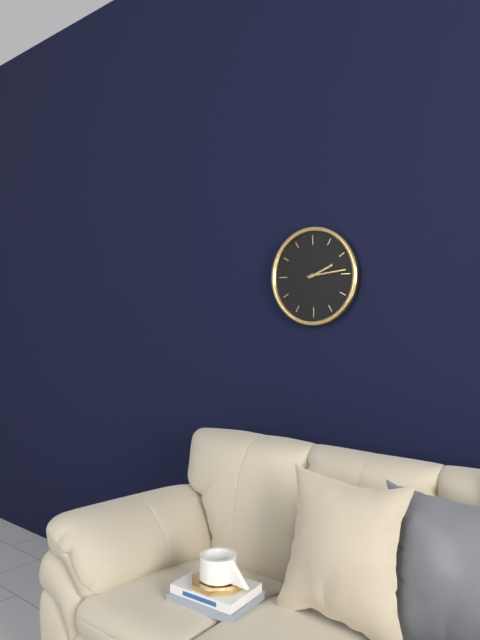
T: 2 h 14 min
